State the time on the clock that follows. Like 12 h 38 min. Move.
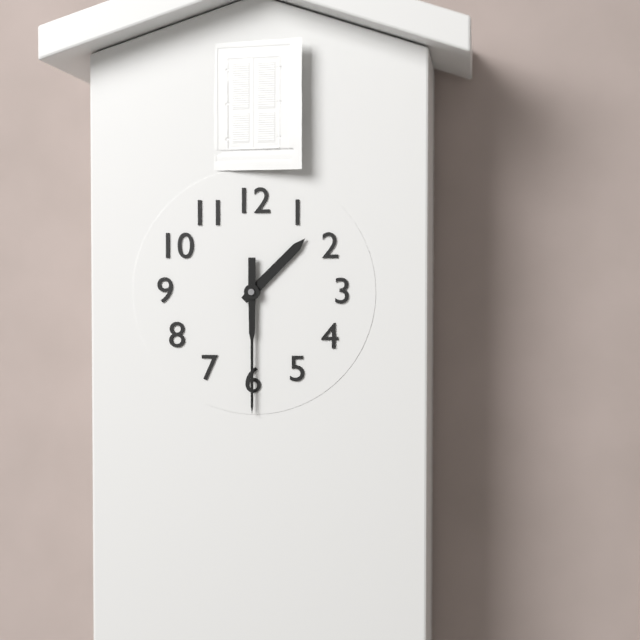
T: 1 h 30 min
